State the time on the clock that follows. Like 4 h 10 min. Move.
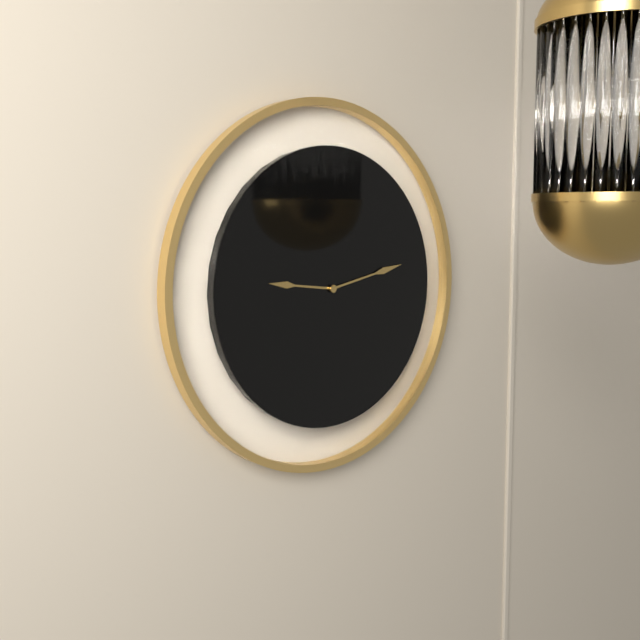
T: 9 h 13 min
